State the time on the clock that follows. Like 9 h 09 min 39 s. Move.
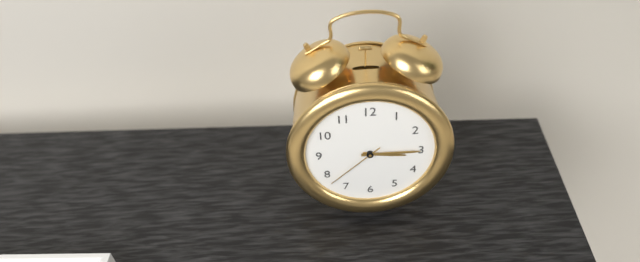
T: 3 h 15 min 38 s
